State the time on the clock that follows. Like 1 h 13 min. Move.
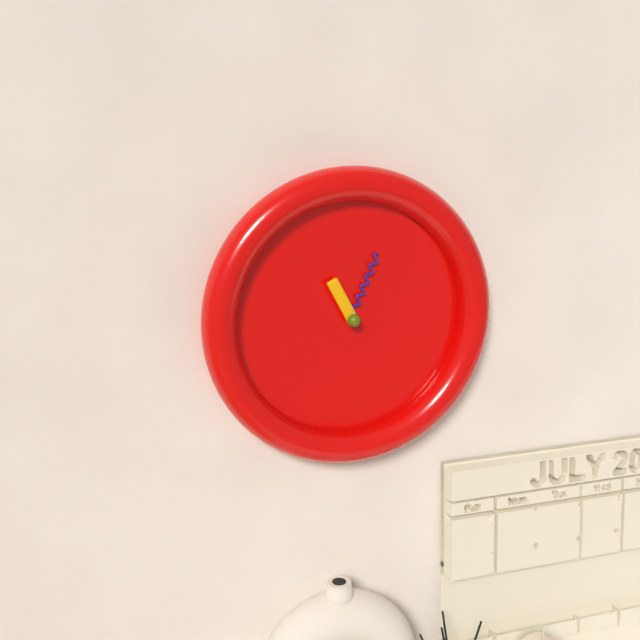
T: 11 h 04 min
